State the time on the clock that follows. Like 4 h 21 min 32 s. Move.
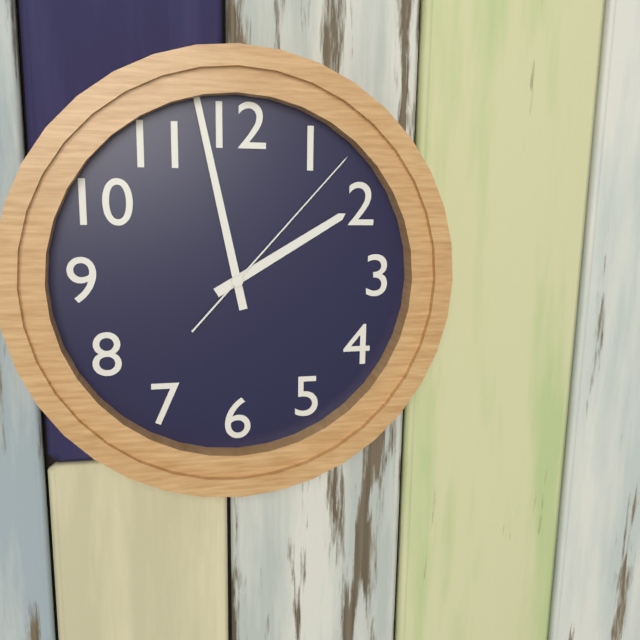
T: 1 h 58 min 07 s
